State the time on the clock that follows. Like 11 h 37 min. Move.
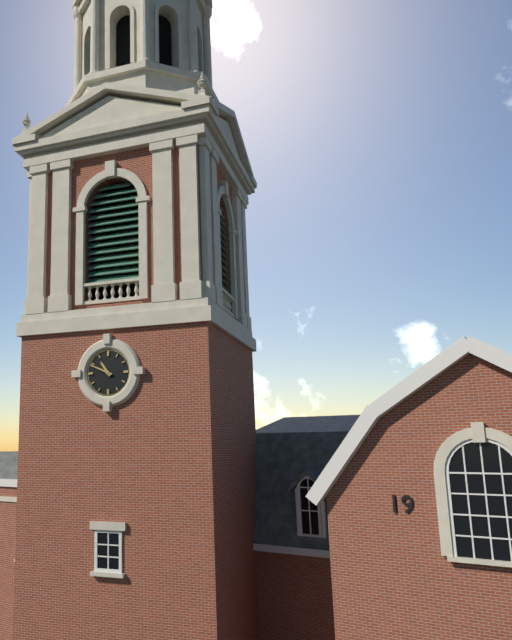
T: 10 h 49 min
